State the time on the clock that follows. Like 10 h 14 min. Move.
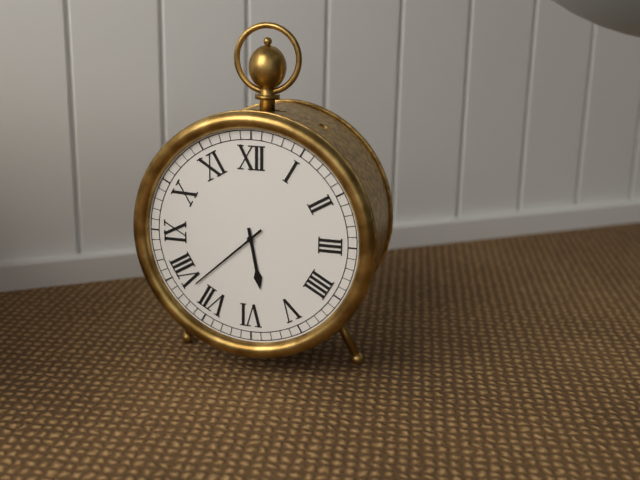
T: 5 h 38 min
